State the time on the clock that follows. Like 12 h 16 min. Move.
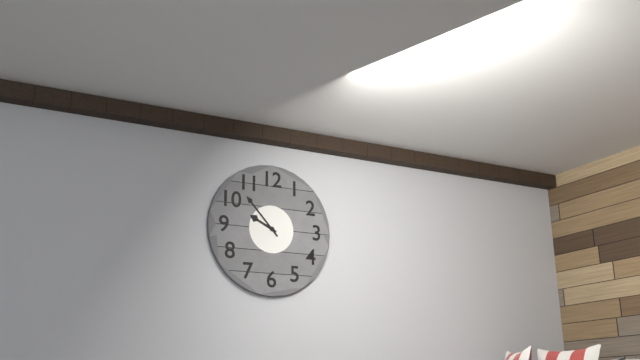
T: 9 h 53 min
